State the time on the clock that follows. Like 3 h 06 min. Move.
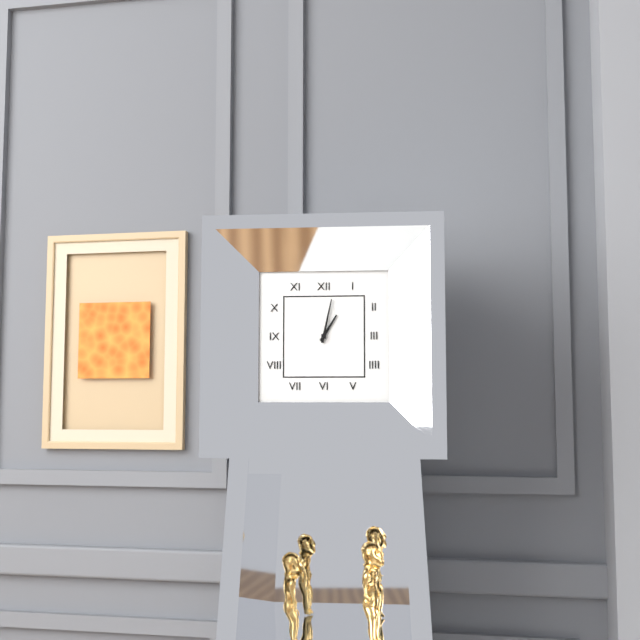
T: 1 h 02 min
